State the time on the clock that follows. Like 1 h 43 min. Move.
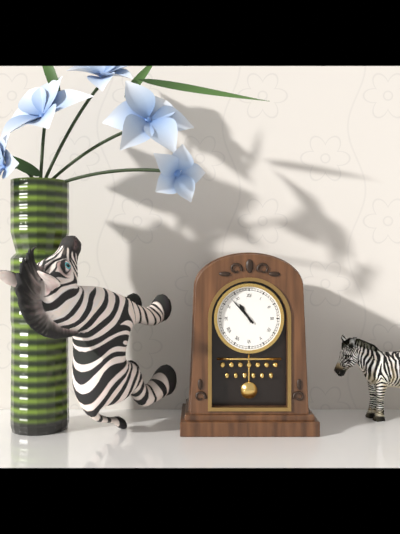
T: 10 h 53 min
